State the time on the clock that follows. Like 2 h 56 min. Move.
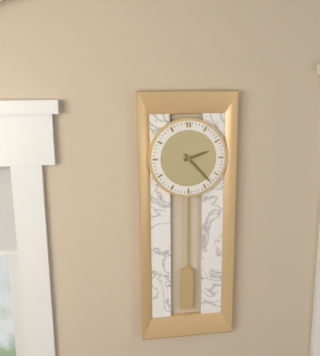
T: 2 h 23 min
